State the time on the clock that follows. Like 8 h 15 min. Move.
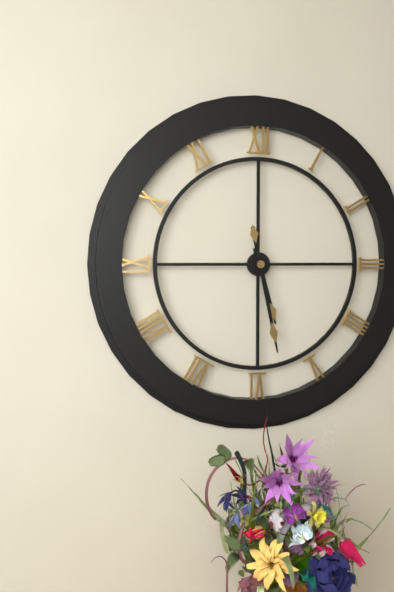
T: 5 h 28 min
